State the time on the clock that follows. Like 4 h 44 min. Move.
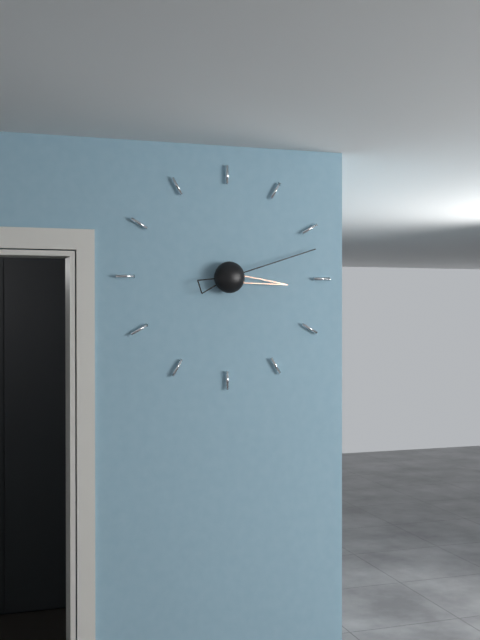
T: 3 h 12 min
